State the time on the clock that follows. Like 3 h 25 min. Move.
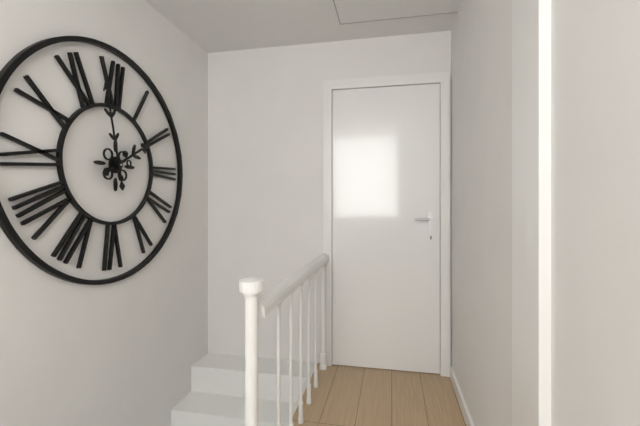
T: 1 h 58 min
